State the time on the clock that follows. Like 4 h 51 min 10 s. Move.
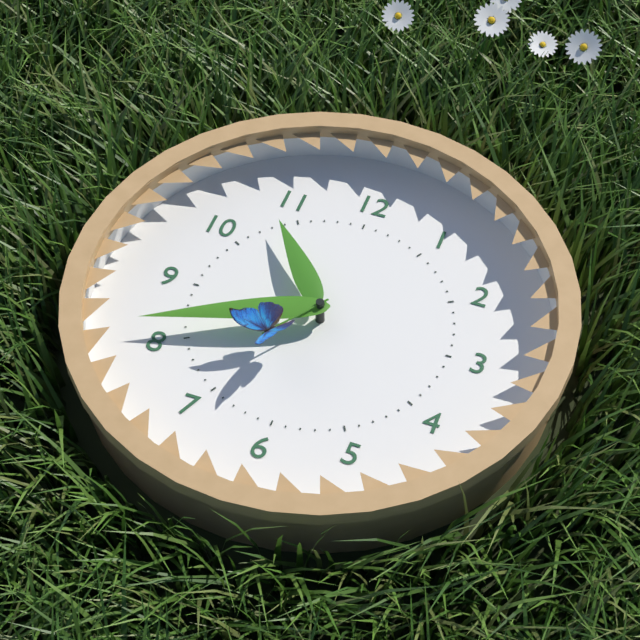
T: 10 h 41 min 36 s
